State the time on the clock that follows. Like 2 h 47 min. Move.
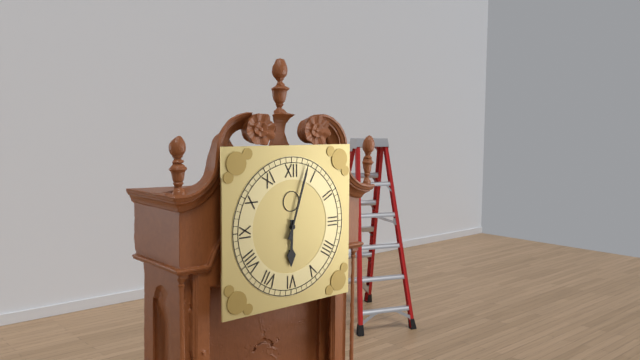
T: 6 h 03 min
